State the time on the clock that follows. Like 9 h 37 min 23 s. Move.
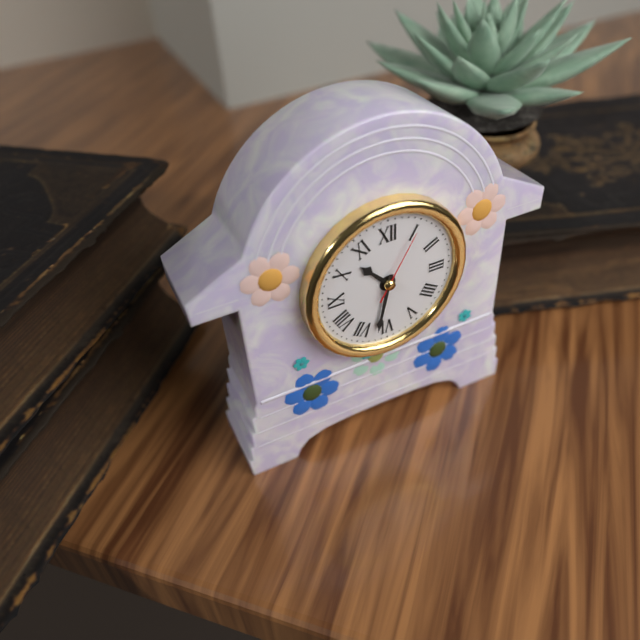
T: 10 h 32 min 05 s
